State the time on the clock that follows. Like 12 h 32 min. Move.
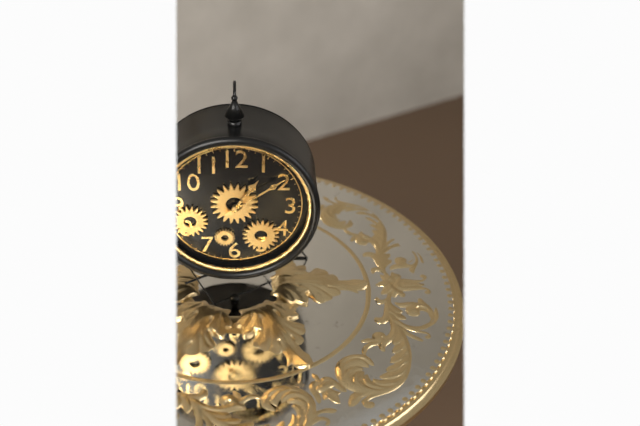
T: 1 h 09 min
